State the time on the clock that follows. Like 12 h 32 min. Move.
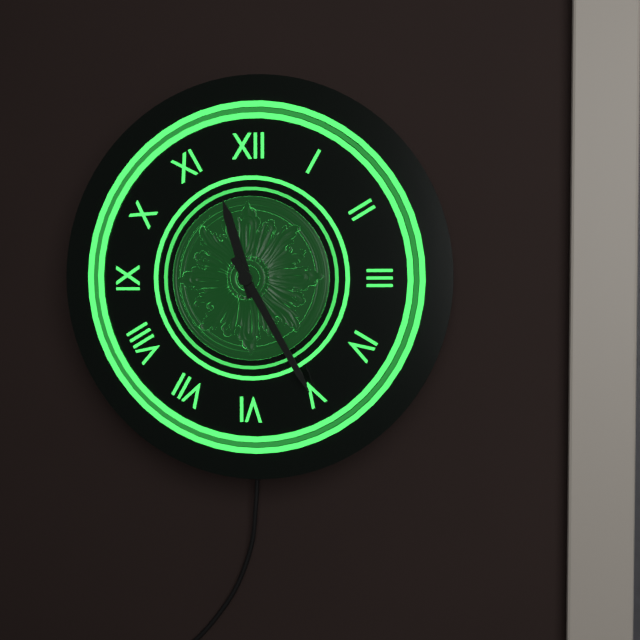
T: 11 h 25 min
